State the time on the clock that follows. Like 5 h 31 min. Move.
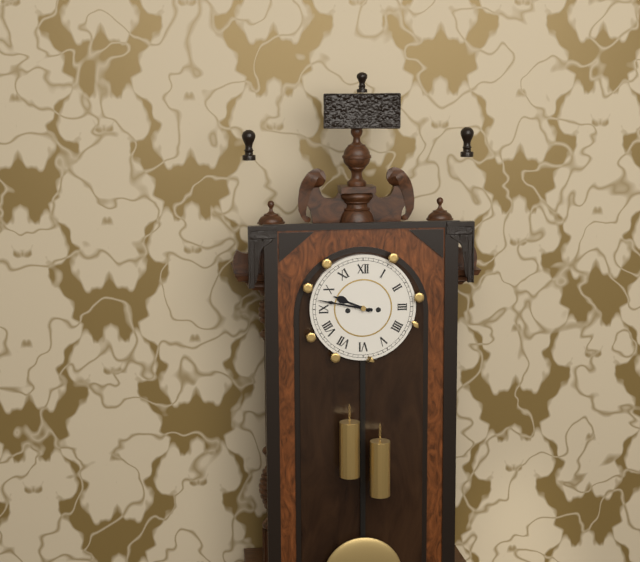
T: 9 h 47 min
